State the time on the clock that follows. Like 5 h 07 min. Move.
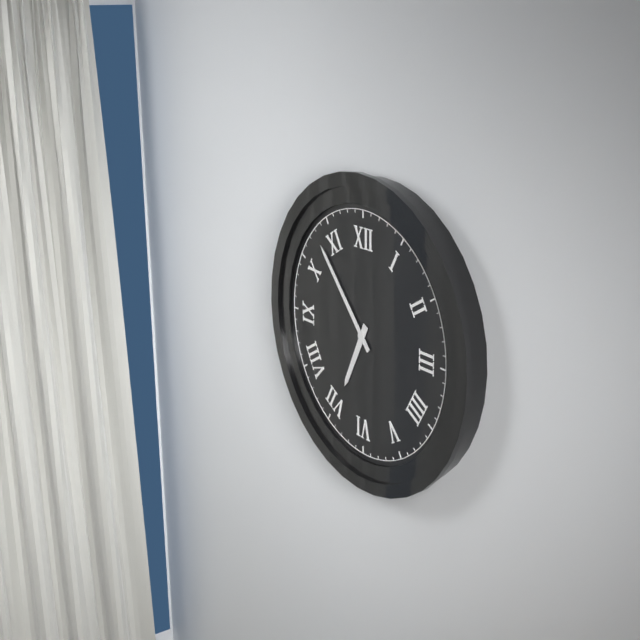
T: 6 h 53 min
